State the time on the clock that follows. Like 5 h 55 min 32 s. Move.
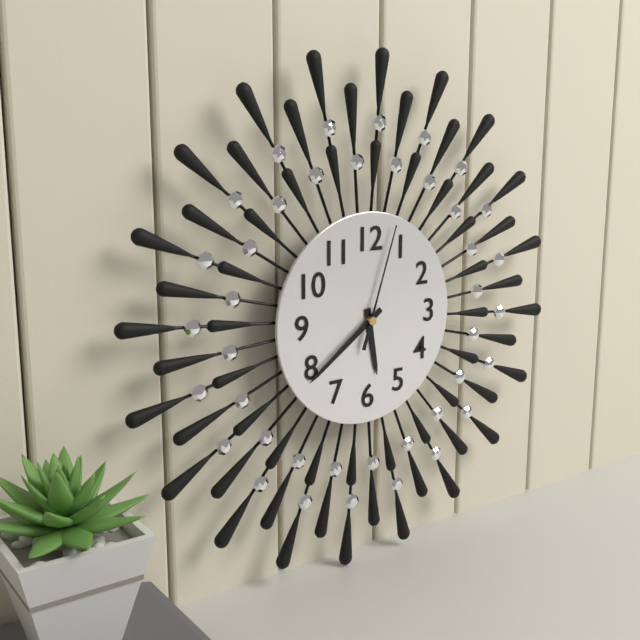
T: 5 h 39 min 03 s
